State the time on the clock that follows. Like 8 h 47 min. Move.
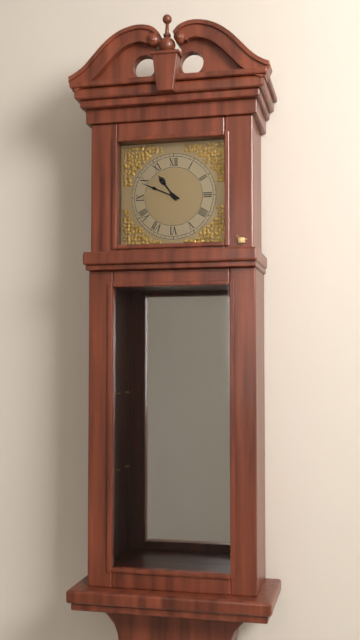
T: 10 h 49 min
